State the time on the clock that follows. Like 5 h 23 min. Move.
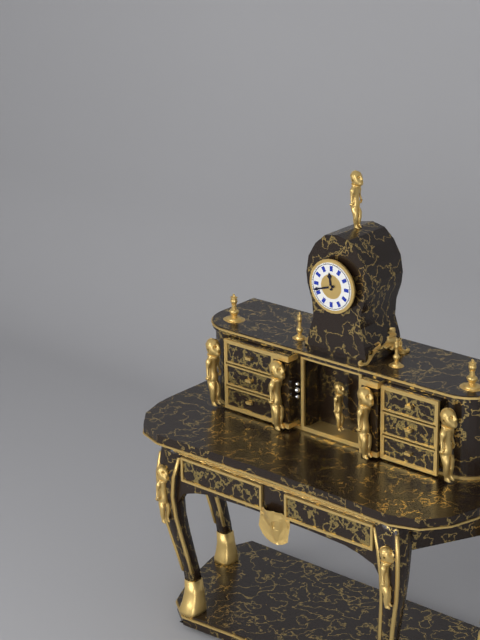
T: 11 h 42 min
